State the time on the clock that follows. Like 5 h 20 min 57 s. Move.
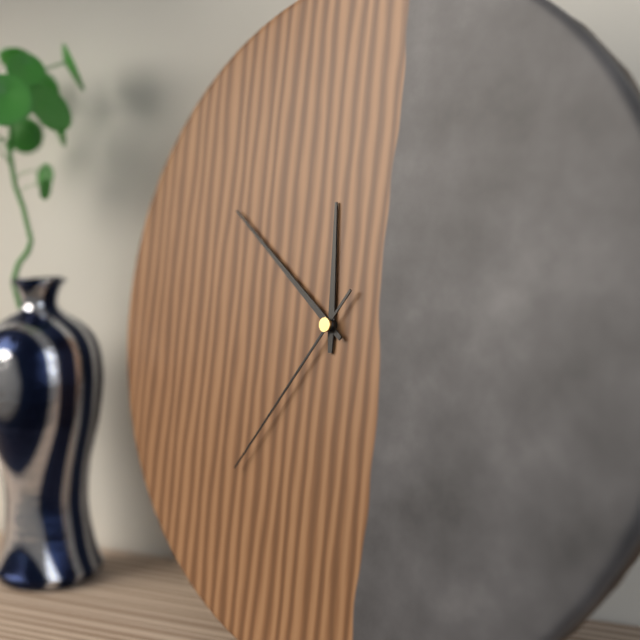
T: 11 h 51 min 36 s
